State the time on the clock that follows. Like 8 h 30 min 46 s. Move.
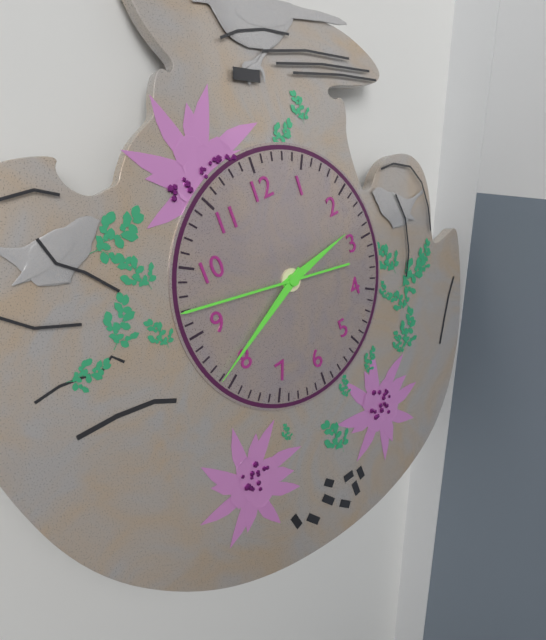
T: 2 h 41 min 47 s
